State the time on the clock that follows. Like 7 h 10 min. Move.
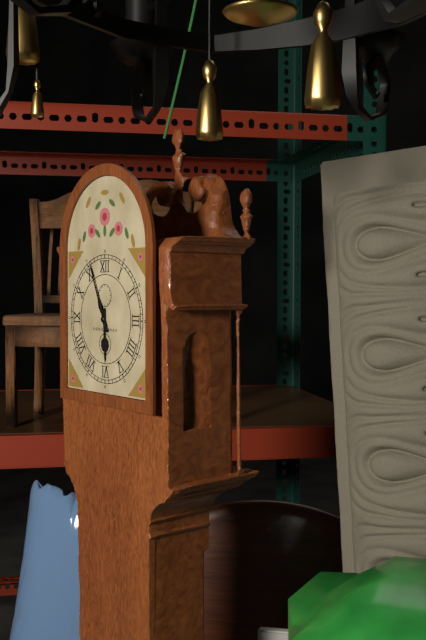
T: 5 h 56 min
